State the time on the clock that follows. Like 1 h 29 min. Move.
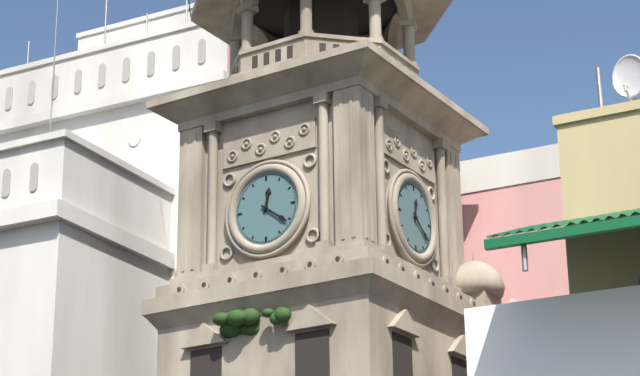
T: 12 h 21 min
